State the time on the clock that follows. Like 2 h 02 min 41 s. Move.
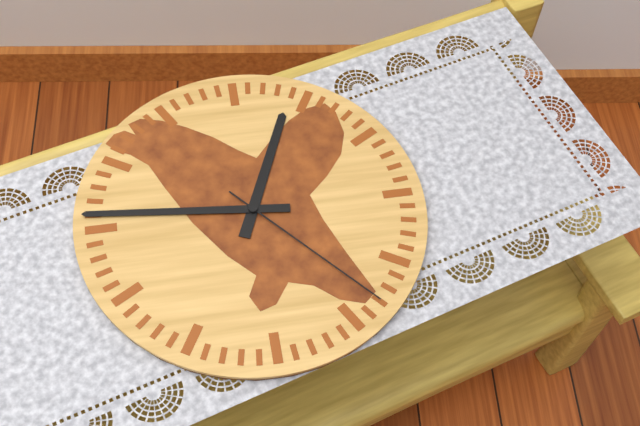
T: 12 h 46 min 23 s
